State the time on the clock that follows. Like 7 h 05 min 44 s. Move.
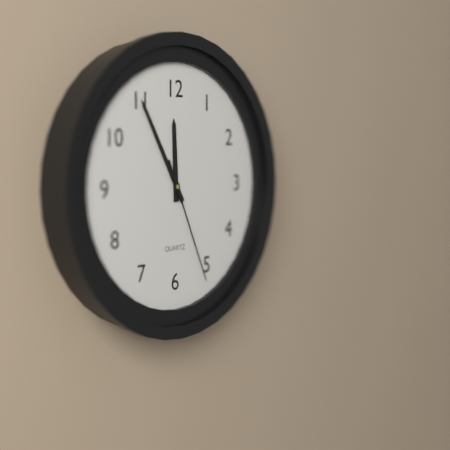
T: 11 h 55 min 26 s
